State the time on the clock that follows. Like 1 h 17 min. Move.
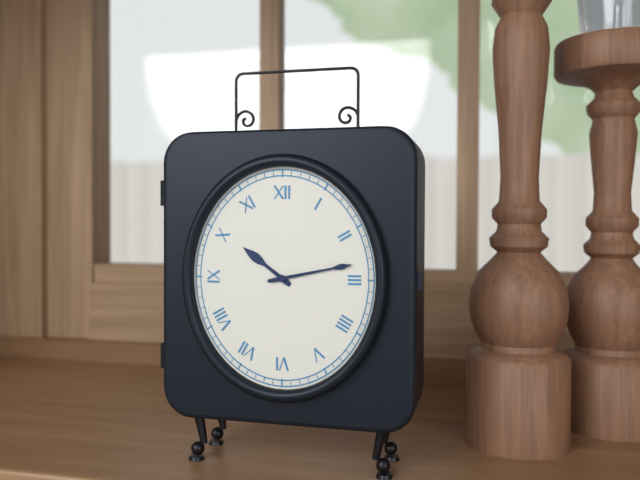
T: 10 h 13 min
